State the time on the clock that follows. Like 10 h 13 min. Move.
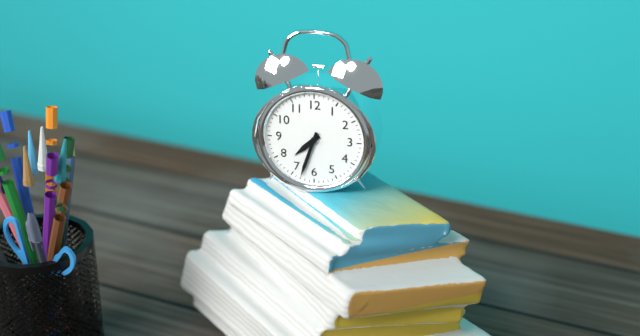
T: 7 h 33 min
